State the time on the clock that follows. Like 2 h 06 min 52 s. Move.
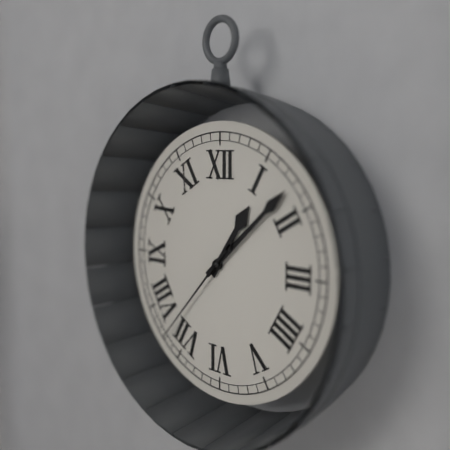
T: 1 h 08 min 37 s
